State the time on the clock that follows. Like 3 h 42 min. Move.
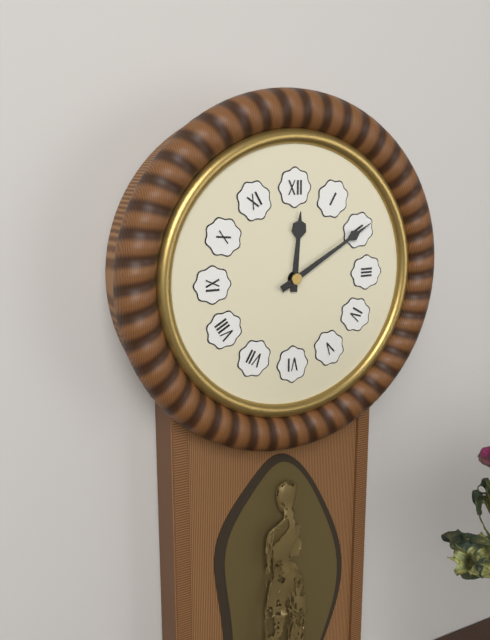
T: 12 h 10 min
